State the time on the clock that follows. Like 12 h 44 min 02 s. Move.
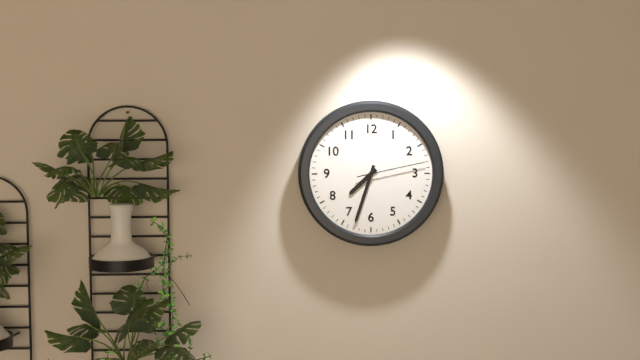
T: 7 h 33 min 13 s
